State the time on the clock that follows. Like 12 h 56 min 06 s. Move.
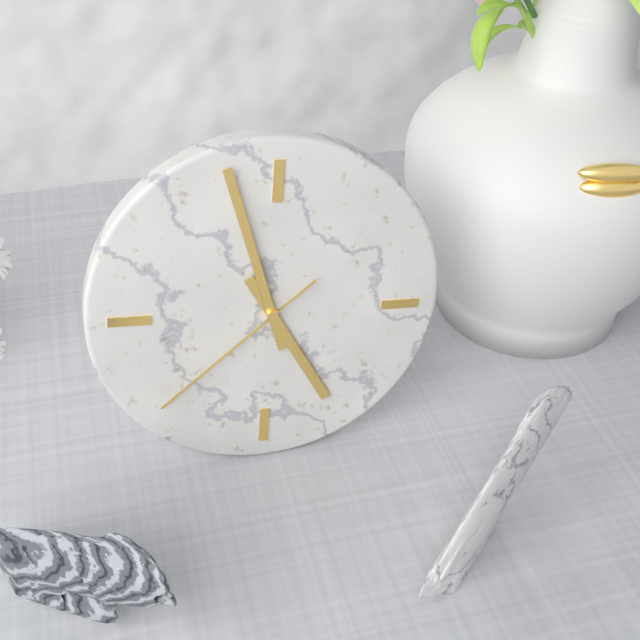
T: 4 h 57 min 38 s
